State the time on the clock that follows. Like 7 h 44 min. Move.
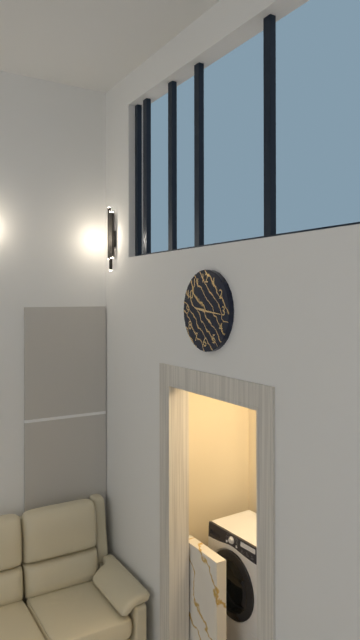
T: 9 h 16 min
